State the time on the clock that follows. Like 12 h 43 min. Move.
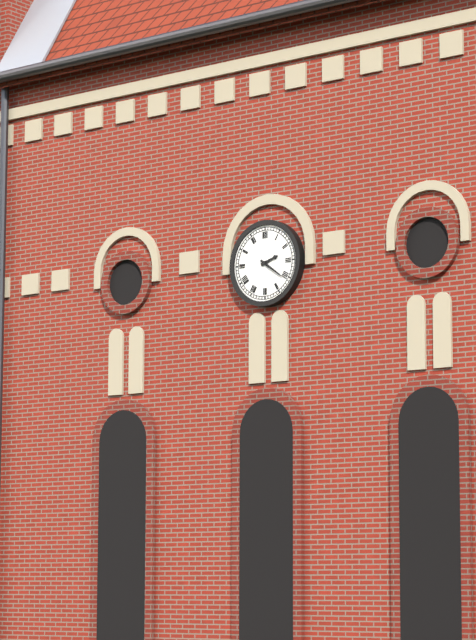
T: 2 h 21 min
